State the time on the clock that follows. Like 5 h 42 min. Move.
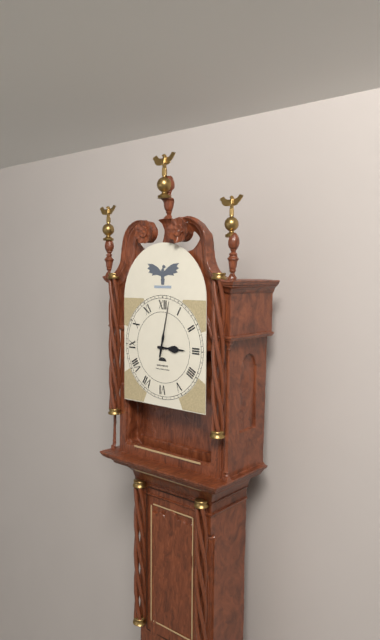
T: 3 h 02 min
